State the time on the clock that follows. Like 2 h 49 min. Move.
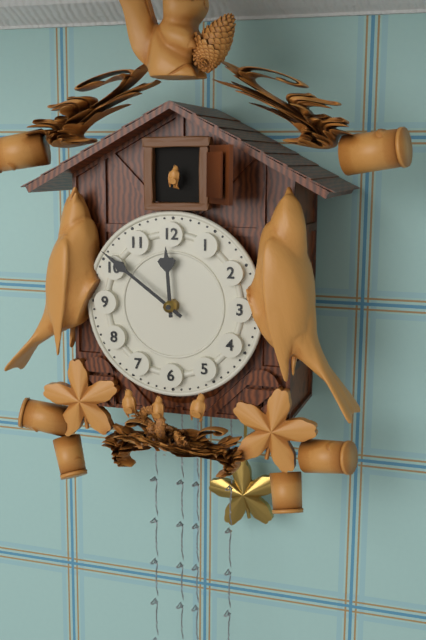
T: 11 h 51 min
